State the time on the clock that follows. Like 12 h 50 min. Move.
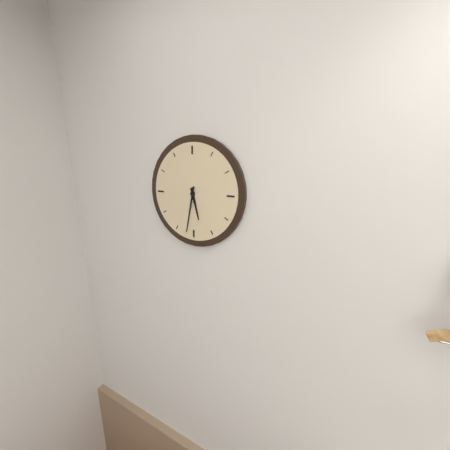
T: 5 h 32 min
